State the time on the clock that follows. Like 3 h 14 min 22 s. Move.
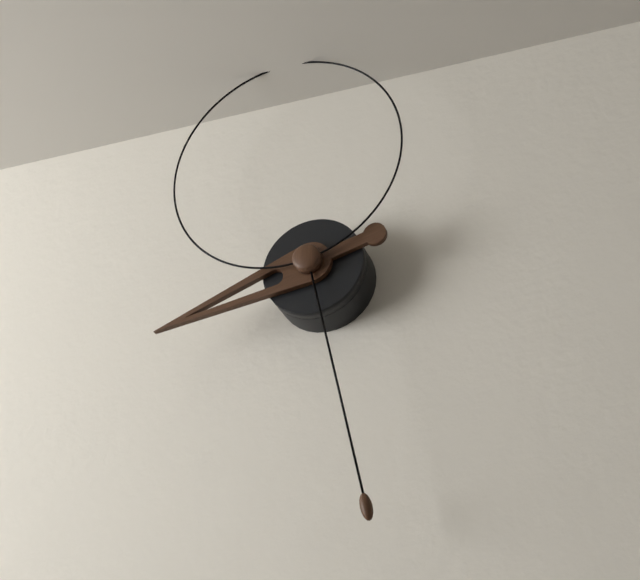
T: 8 h 28 min 58 s
